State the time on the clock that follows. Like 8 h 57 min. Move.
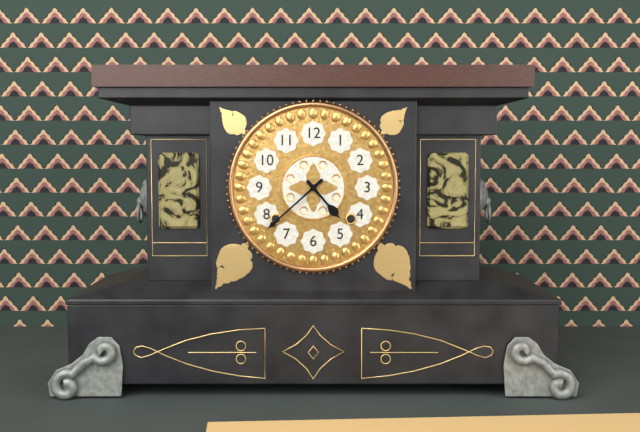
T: 4 h 38 min
